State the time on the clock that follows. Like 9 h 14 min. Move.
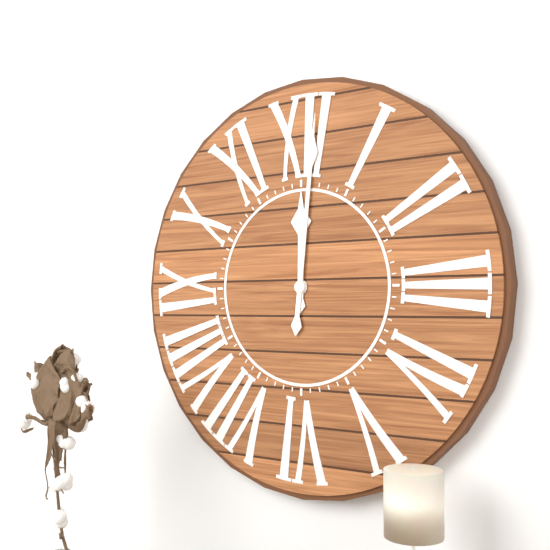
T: 12 h 01 min
